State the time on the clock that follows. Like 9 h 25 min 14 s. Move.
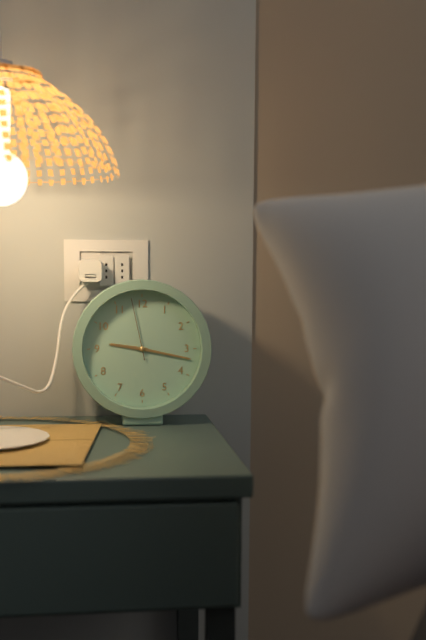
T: 9 h 17 min 58 s
